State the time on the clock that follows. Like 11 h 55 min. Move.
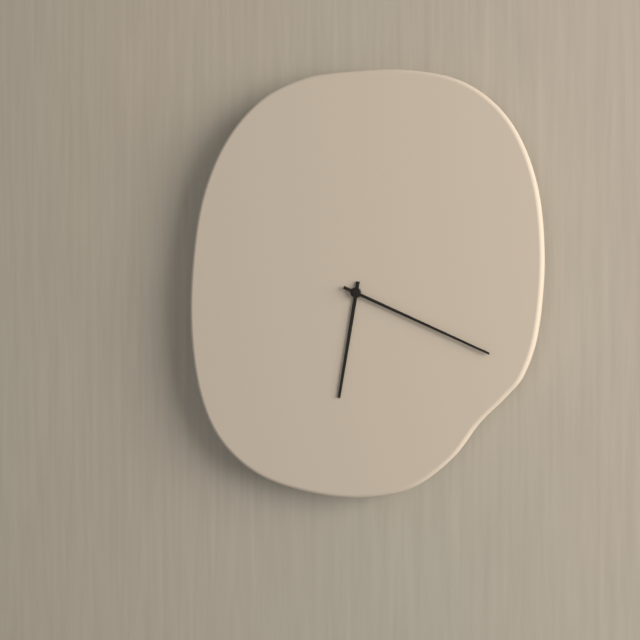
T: 6 h 19 min
